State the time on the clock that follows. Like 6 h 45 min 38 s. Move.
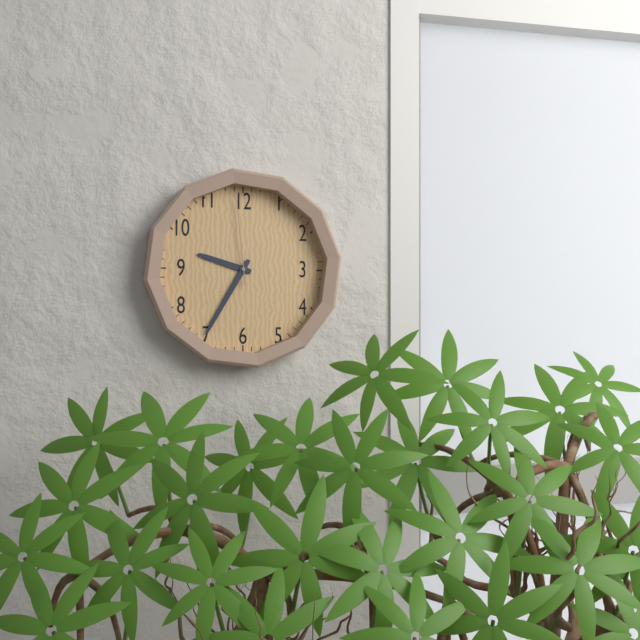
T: 9 h 35 min 59 s
